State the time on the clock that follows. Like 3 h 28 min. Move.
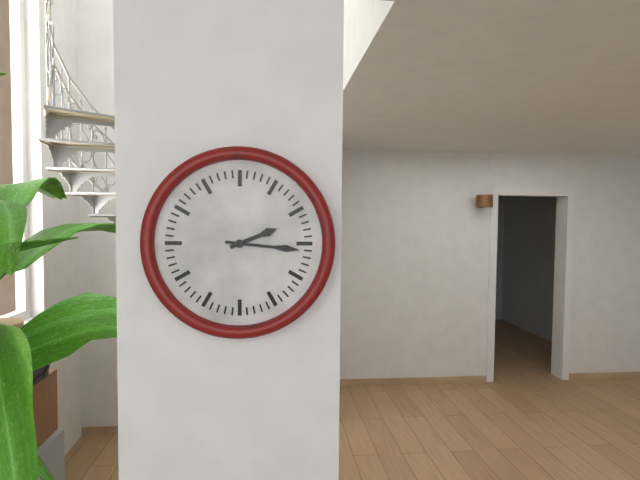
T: 2 h 16 min
